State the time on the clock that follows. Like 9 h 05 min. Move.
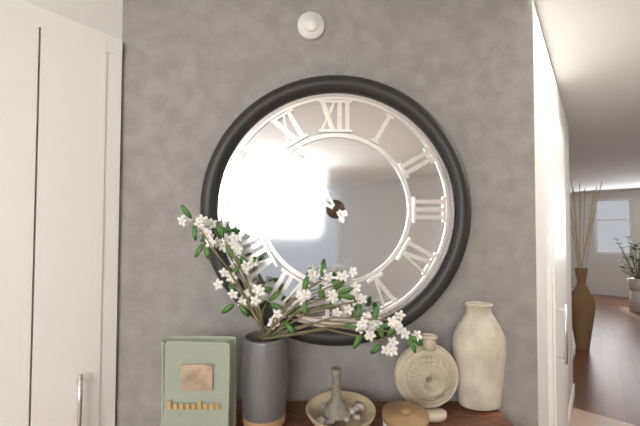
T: 9 h 55 min
